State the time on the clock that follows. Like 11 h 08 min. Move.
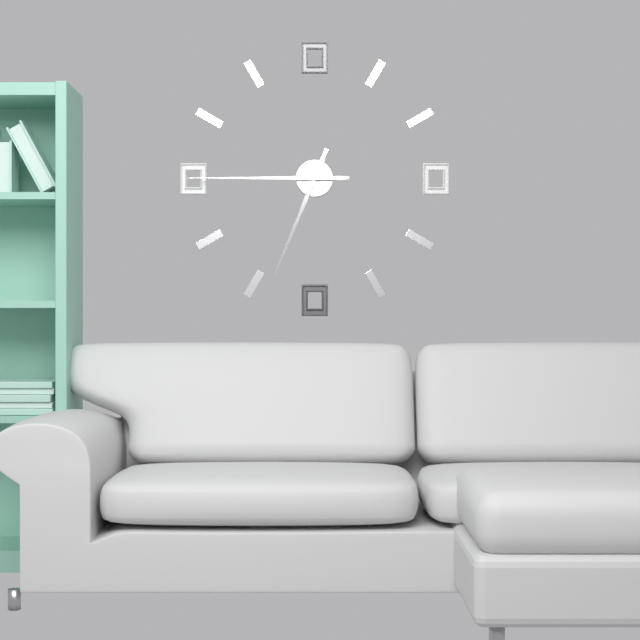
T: 6 h 45 min
